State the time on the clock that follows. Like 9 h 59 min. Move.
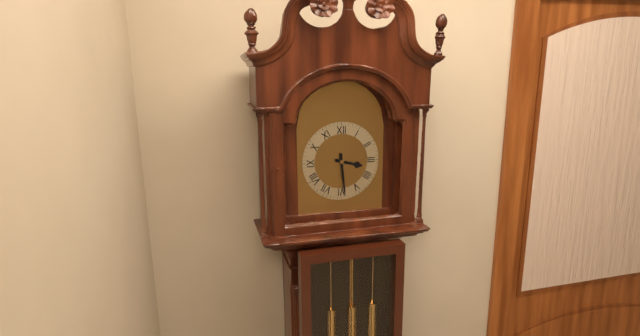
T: 3 h 29 min
